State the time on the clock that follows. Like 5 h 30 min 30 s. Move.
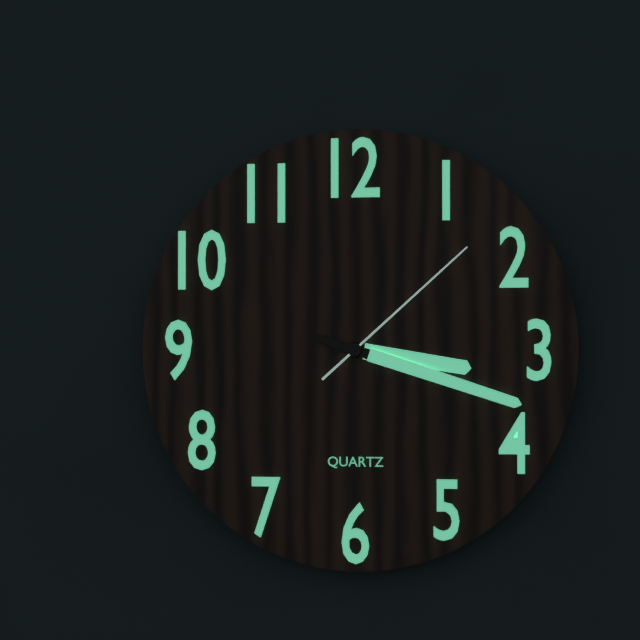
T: 3 h 18 min 08 s
